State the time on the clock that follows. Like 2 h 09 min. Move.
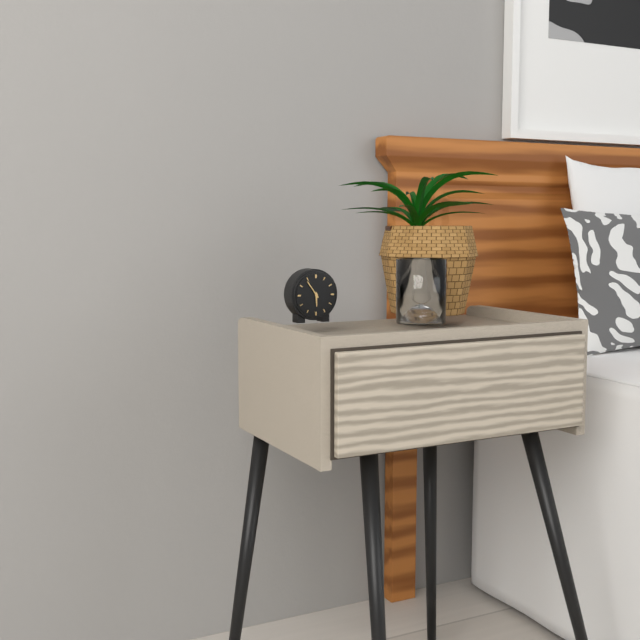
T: 5 h 54 min
